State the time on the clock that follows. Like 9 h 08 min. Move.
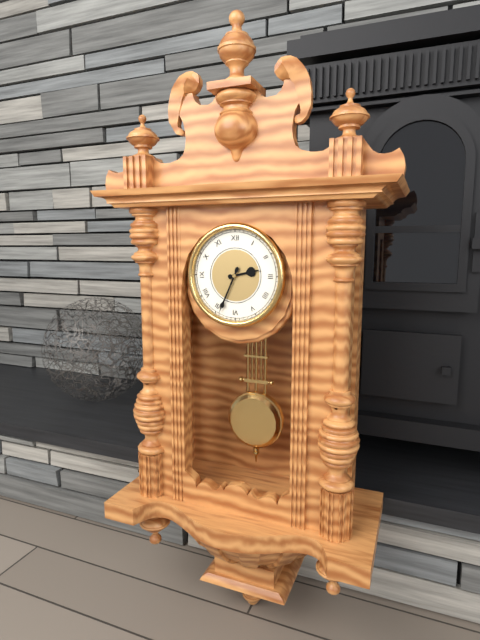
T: 2 h 34 min
